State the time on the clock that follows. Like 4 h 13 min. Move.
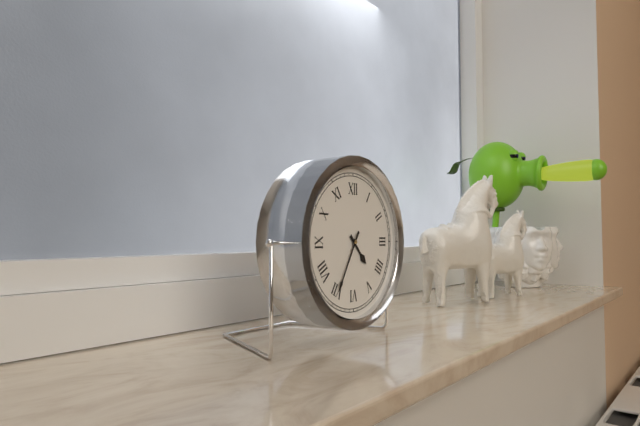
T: 4 h 35 min
